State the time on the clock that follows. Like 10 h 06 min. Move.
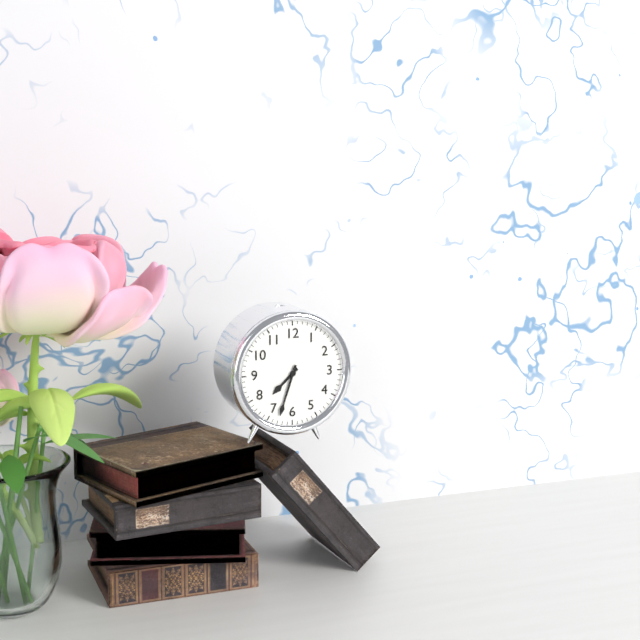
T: 7 h 33 min
